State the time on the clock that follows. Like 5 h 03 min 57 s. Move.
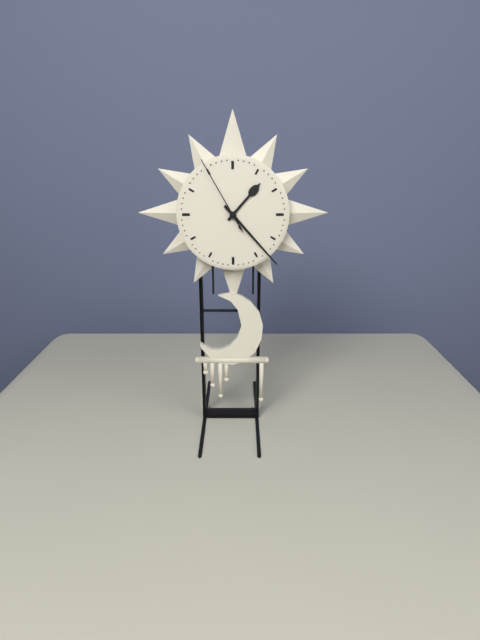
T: 1 h 23 min 55 s
